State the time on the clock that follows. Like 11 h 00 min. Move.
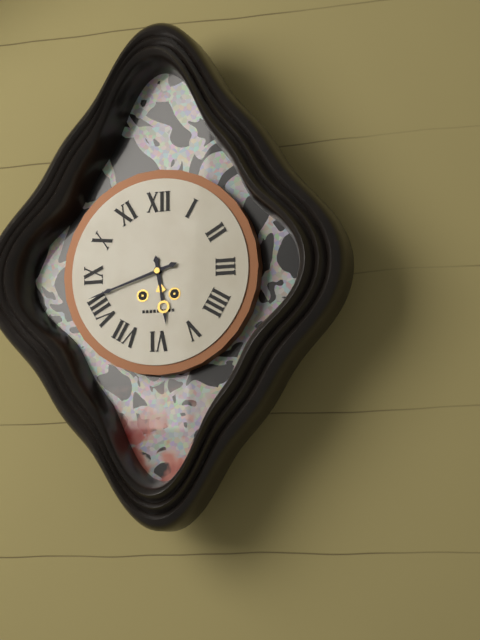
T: 5 h 42 min
